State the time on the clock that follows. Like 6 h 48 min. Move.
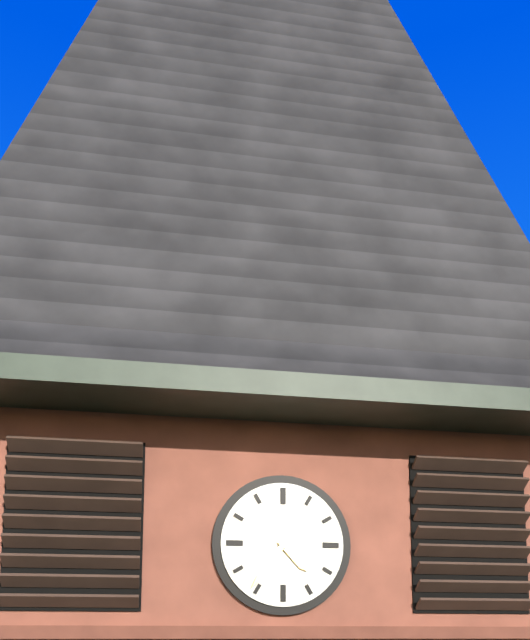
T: 4 h 36 min
